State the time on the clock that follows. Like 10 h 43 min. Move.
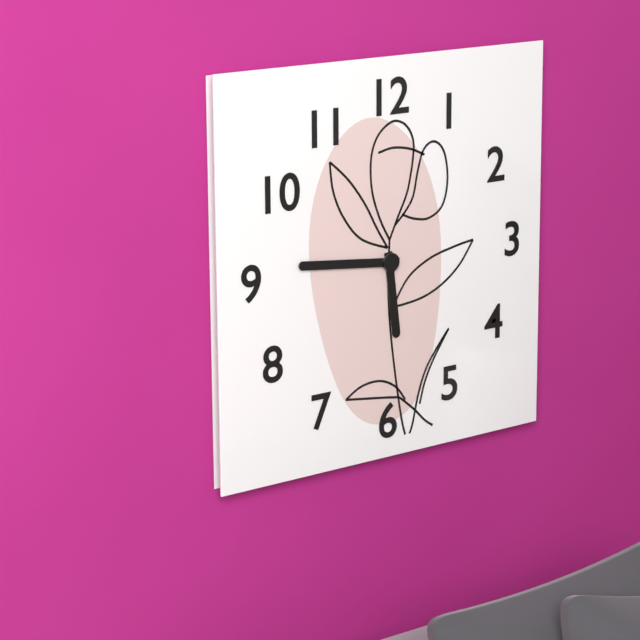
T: 5 h 46 min
